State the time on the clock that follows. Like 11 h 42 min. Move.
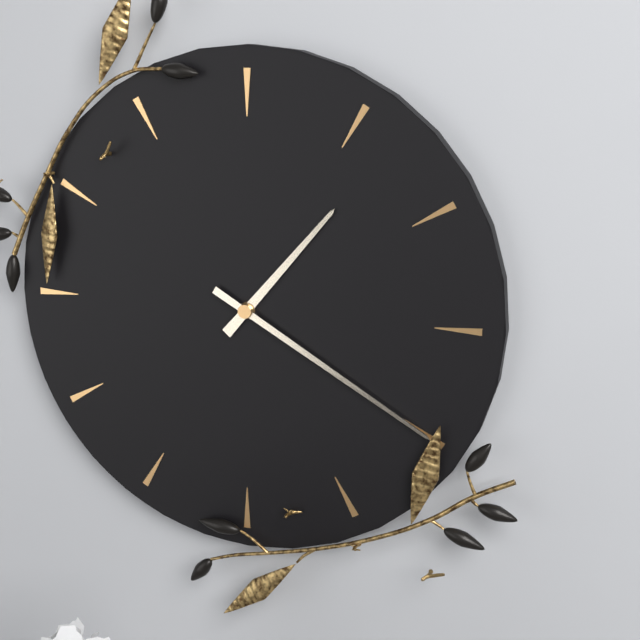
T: 1 h 20 min
